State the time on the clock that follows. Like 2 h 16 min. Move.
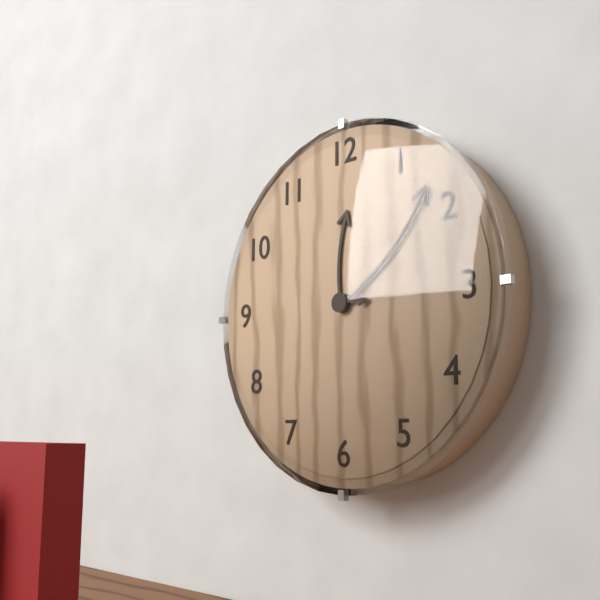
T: 12 h 08 min
